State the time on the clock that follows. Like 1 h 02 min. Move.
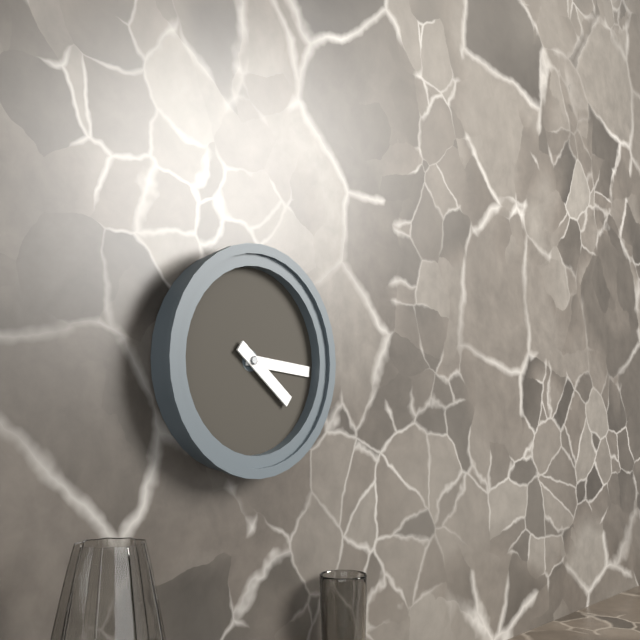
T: 4 h 16 min
